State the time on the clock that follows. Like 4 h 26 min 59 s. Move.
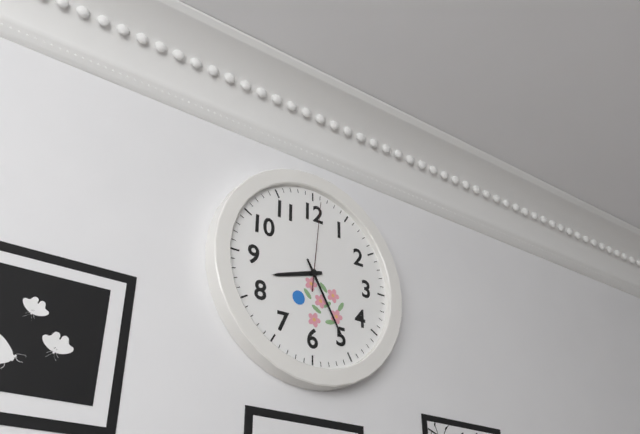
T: 8 h 25 min 01 s
